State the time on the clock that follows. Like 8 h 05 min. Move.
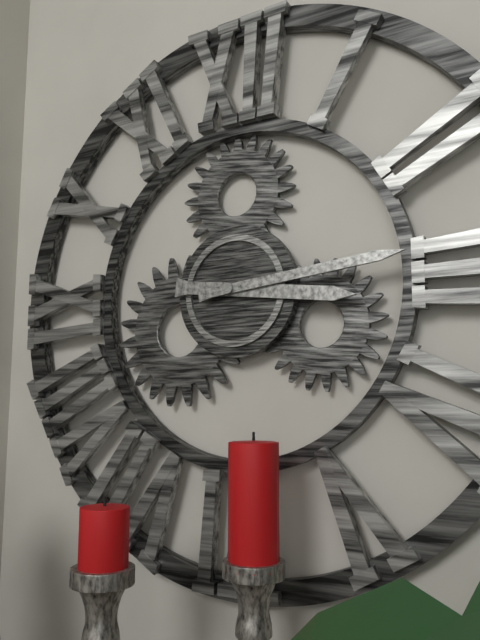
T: 3 h 14 min
